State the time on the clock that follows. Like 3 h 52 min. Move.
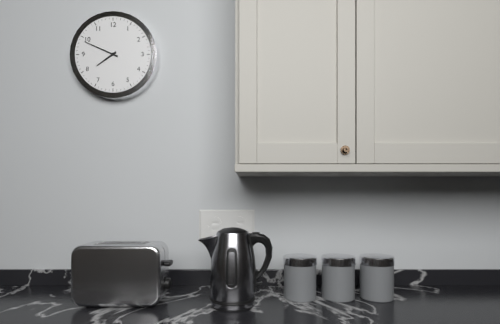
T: 7 h 49 min
